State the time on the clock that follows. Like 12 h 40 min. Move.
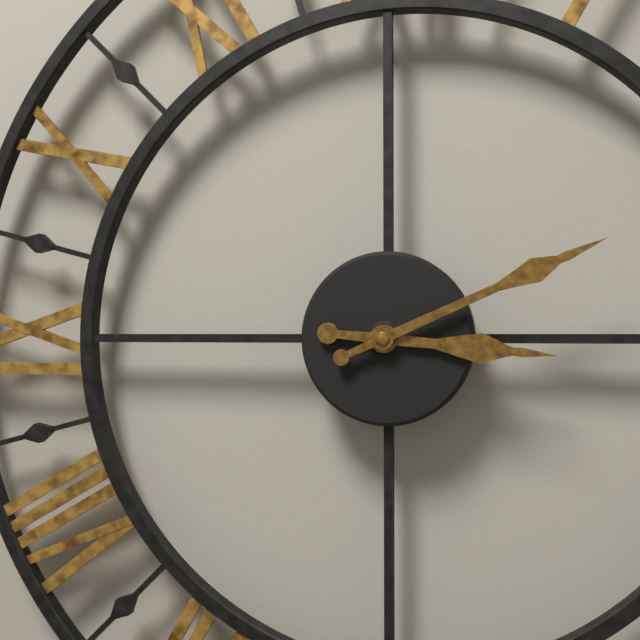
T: 3 h 11 min
